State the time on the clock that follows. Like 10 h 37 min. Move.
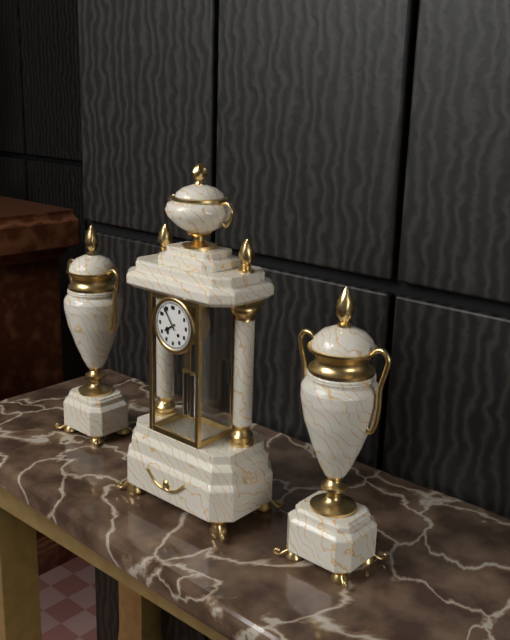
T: 7 h 54 min
